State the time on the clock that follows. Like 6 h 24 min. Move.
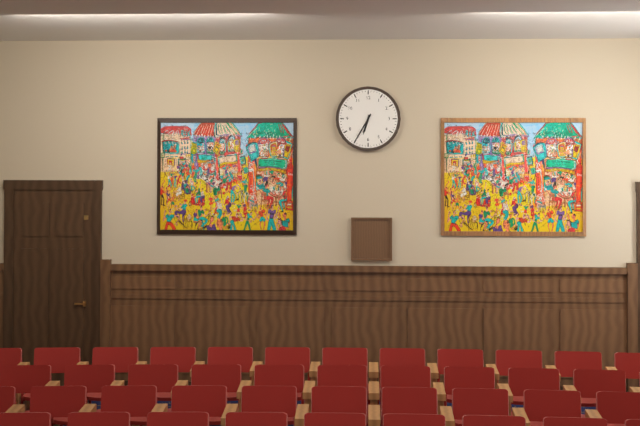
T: 6 h 35 min
